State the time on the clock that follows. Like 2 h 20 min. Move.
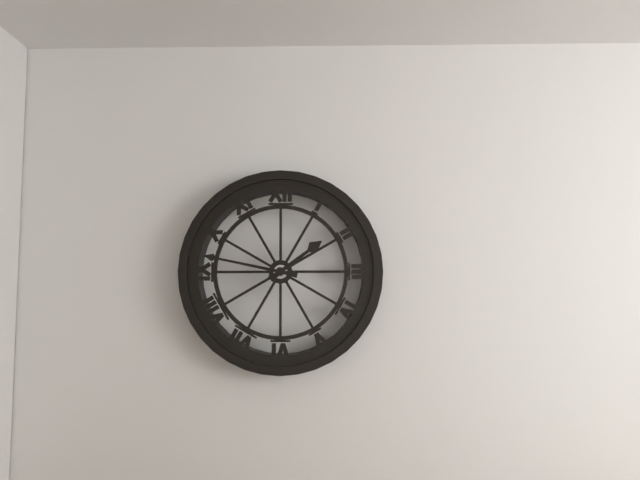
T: 1 h 47 min
